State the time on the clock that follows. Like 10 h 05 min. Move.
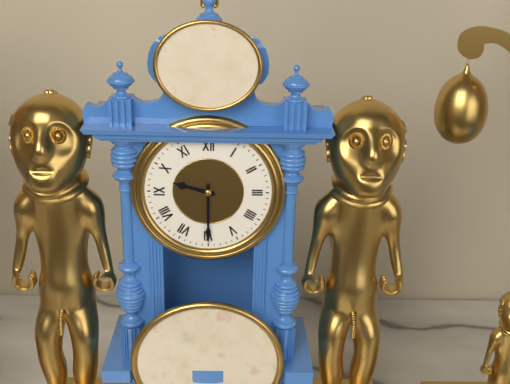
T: 9 h 30 min
